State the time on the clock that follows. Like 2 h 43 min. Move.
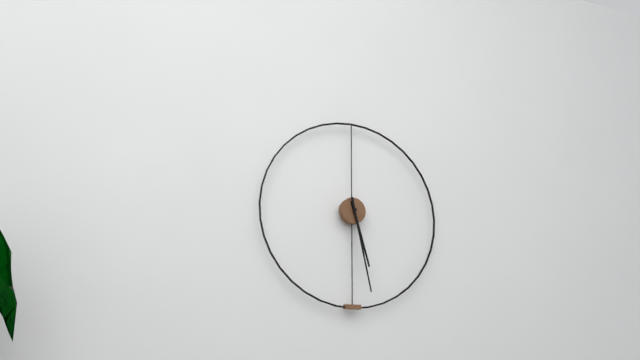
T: 5 h 28 min
